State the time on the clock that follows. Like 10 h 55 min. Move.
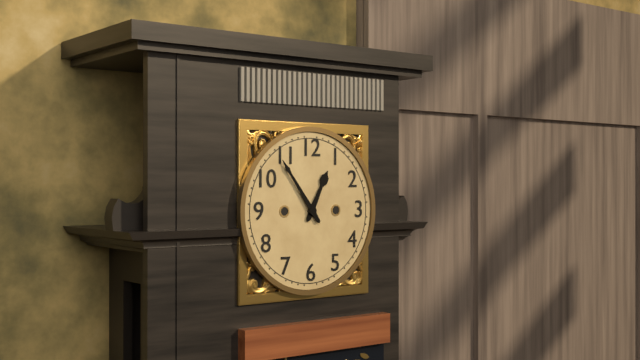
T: 12 h 54 min
